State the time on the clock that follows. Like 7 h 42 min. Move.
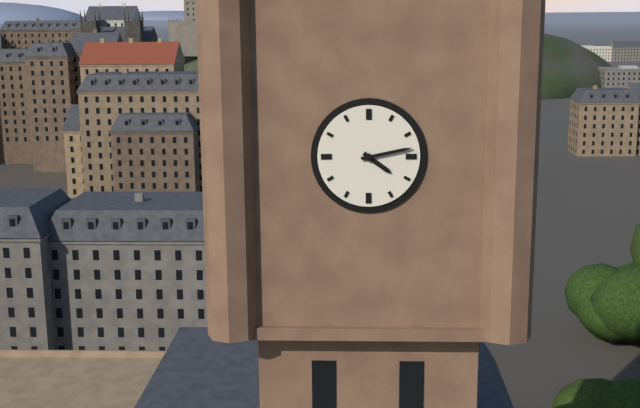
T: 4 h 13 min
